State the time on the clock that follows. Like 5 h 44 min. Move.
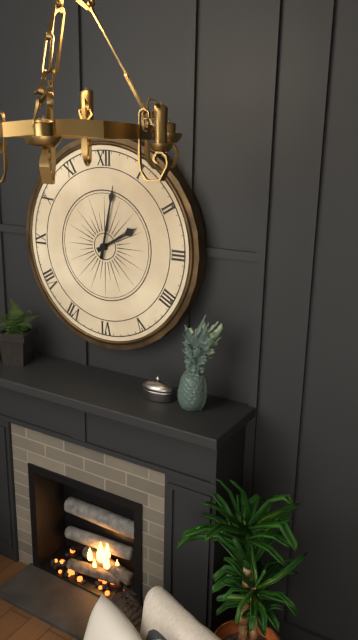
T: 2 h 02 min
